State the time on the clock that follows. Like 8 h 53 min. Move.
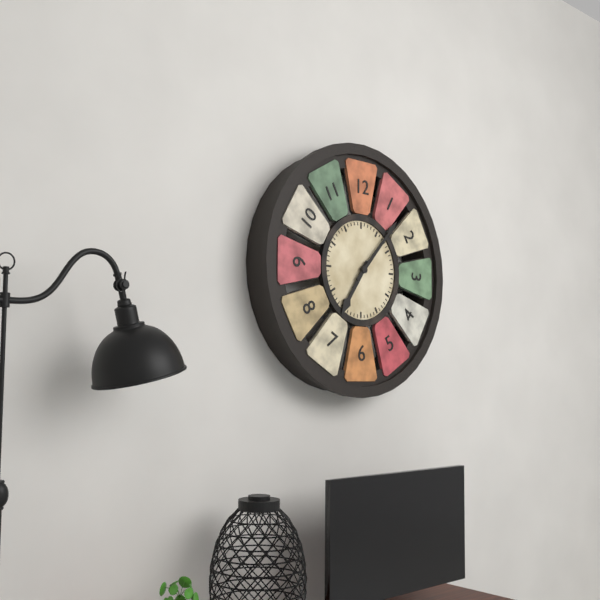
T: 7 h 07 min
